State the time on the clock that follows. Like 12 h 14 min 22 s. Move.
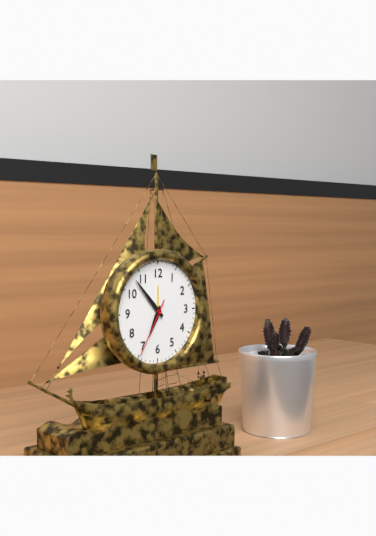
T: 6 h 53 min 35 s
